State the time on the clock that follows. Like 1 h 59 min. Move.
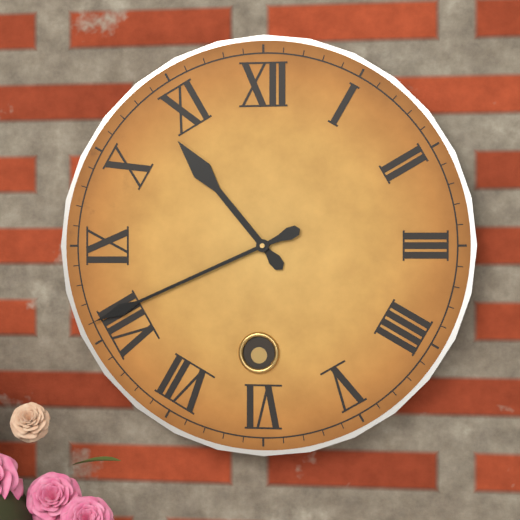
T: 10 h 41 min
